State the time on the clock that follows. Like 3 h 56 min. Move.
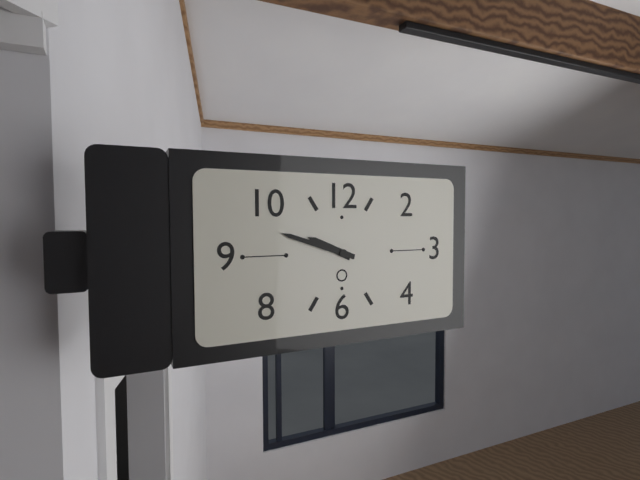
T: 9 h 48 min
